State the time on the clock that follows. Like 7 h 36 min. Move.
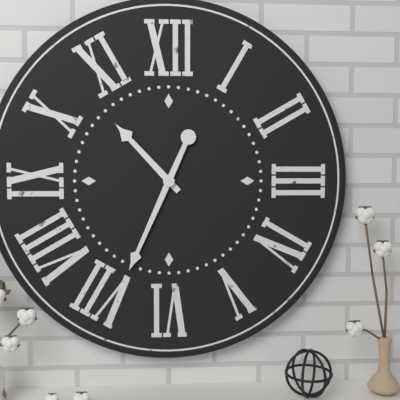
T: 10 h 34 min
